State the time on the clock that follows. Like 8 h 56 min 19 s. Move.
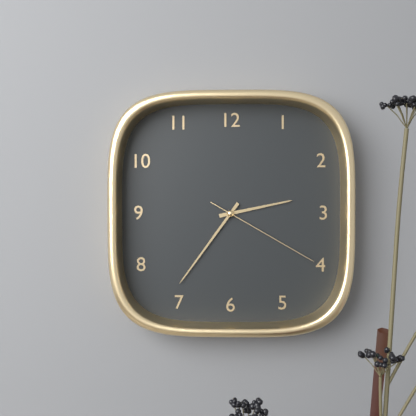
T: 2 h 36 min 20 s
